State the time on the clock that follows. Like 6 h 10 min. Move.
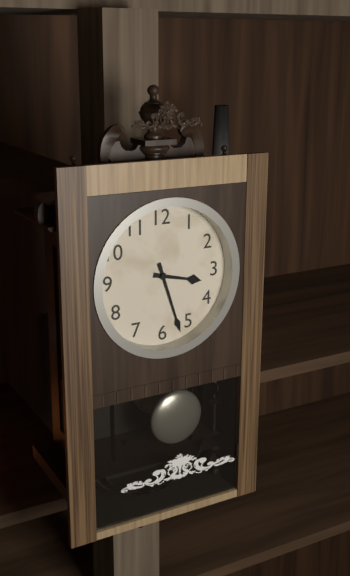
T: 3 h 27 min
